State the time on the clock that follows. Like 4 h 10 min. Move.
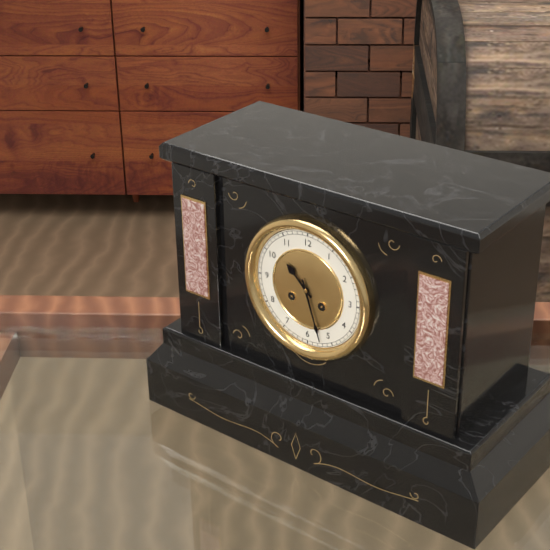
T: 10 h 27 min
